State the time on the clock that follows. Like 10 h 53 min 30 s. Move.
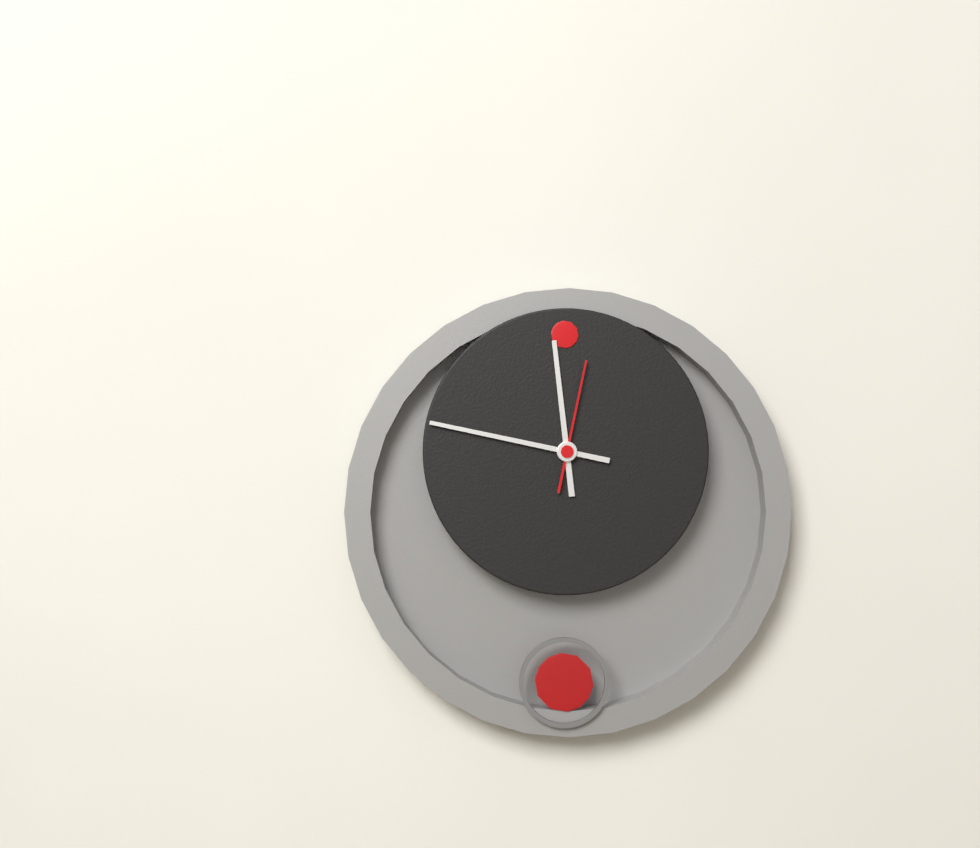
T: 11 h 47 min 02 s
